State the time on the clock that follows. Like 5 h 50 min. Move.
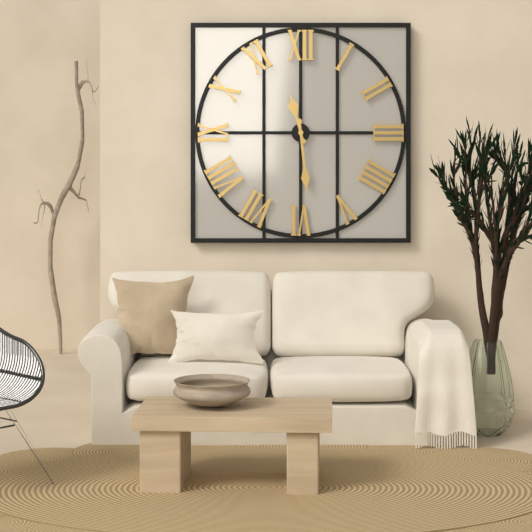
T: 11 h 29 min
